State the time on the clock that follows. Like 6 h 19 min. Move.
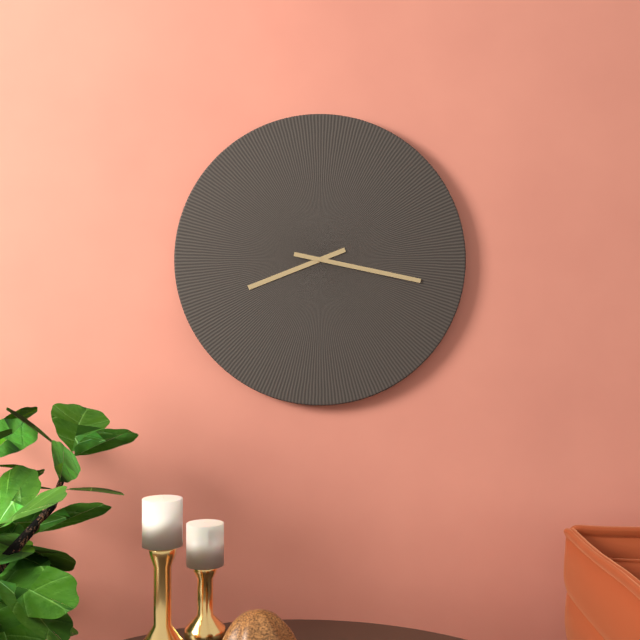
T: 8 h 17 min
